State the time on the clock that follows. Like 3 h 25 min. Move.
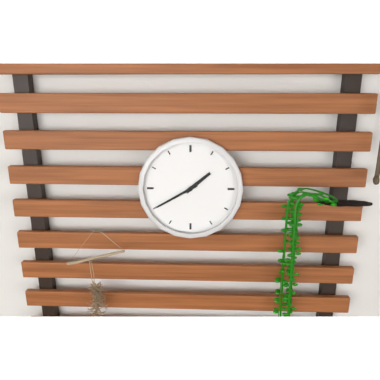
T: 1 h 40 min
